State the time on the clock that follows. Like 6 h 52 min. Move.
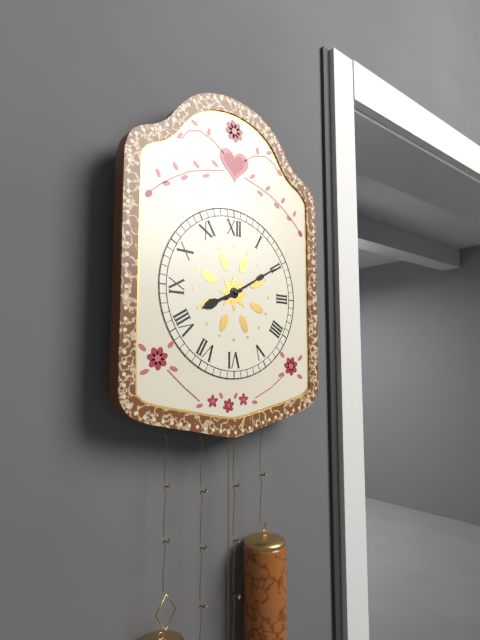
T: 8 h 10 min
